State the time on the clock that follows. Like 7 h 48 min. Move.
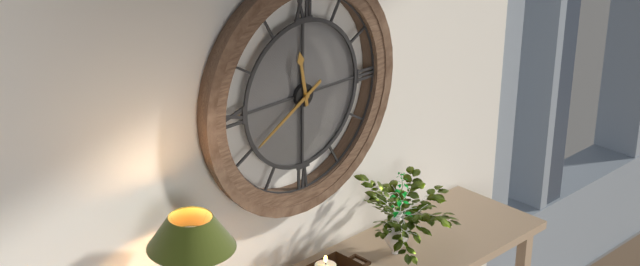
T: 11 h 40 min
